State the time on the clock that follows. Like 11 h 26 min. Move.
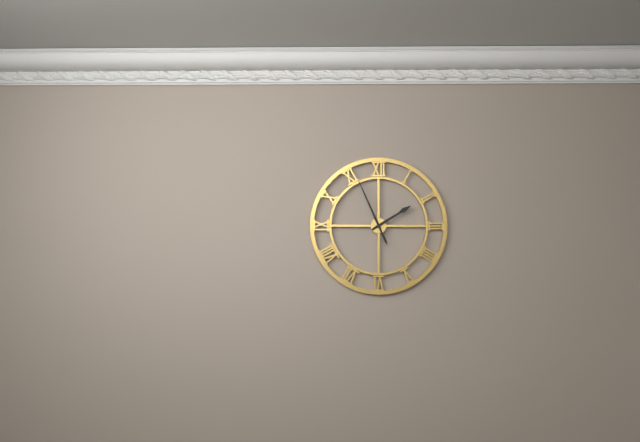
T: 1 h 56 min
